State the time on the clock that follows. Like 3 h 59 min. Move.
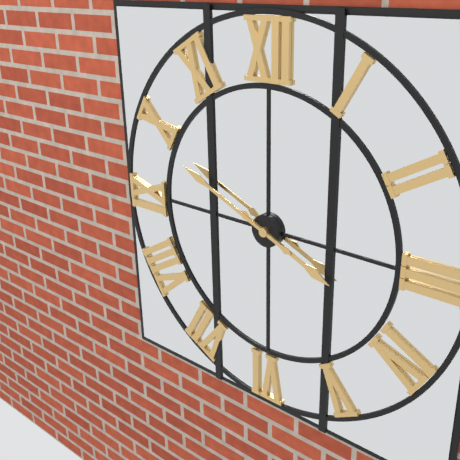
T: 3 h 49 min
